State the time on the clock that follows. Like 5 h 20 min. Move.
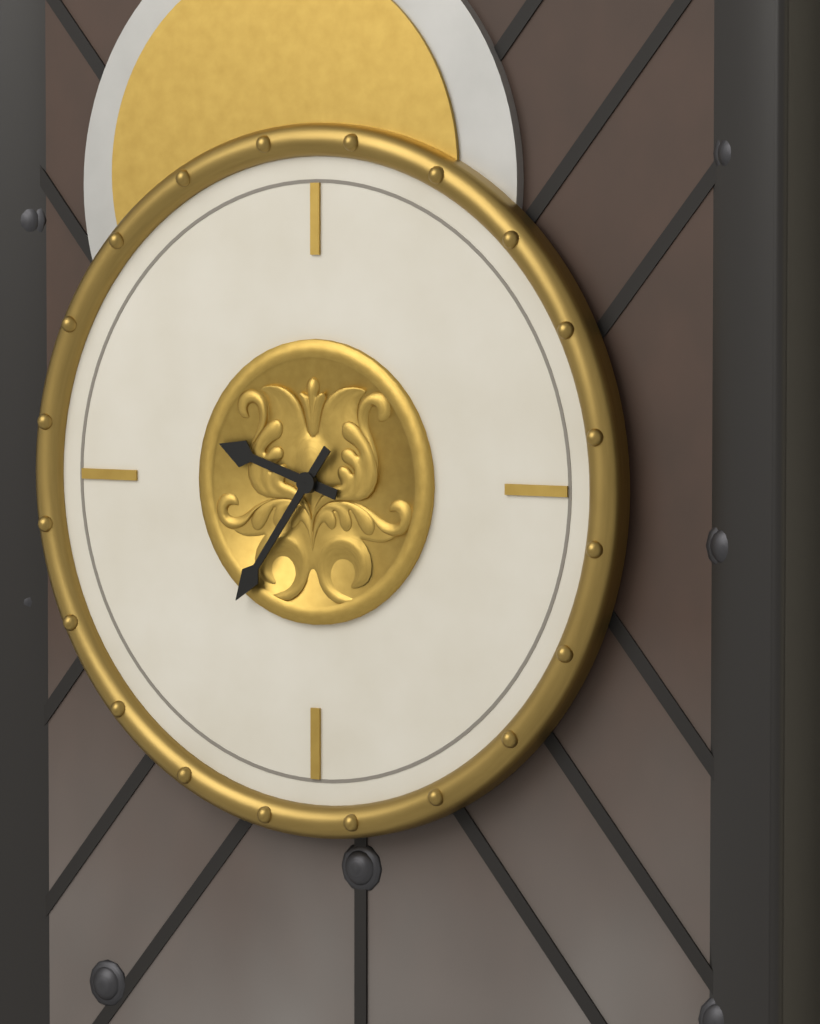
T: 9 h 36 min
